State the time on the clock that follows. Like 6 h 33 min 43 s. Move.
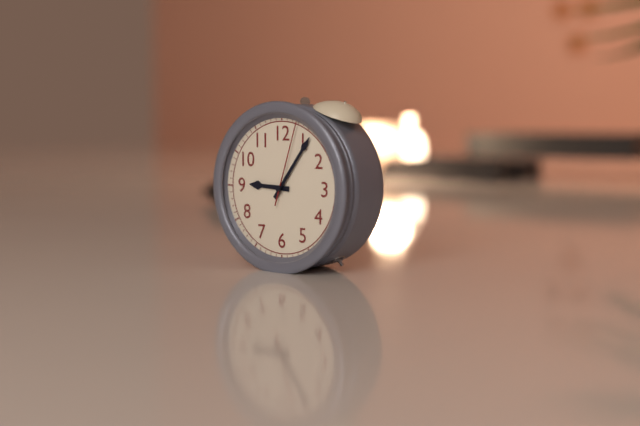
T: 9 h 06 min 03 s
